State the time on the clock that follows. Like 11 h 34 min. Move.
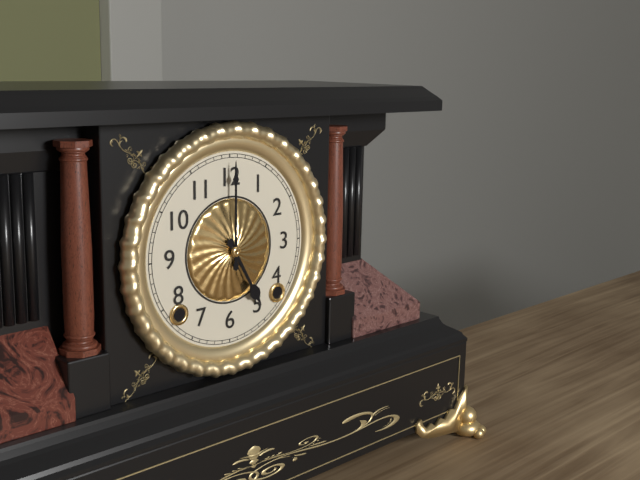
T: 5 h 00 min
